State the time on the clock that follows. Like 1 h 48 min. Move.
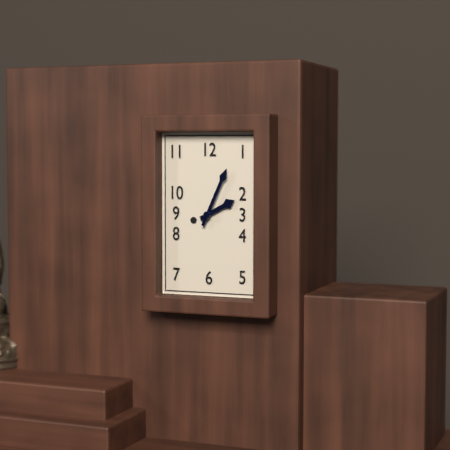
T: 2 h 04 min
